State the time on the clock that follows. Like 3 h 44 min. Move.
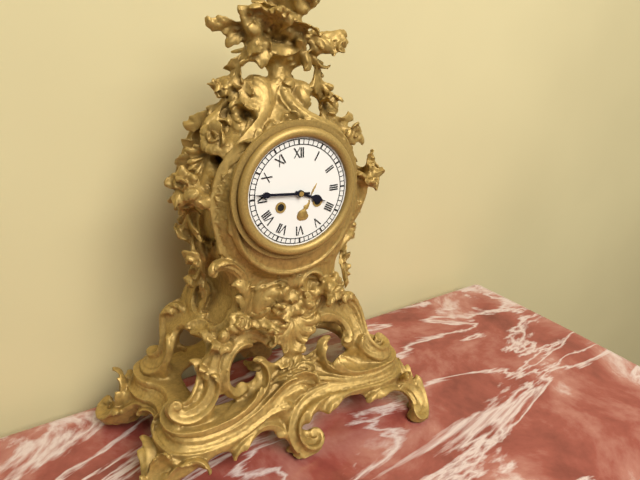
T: 3 h 46 min
